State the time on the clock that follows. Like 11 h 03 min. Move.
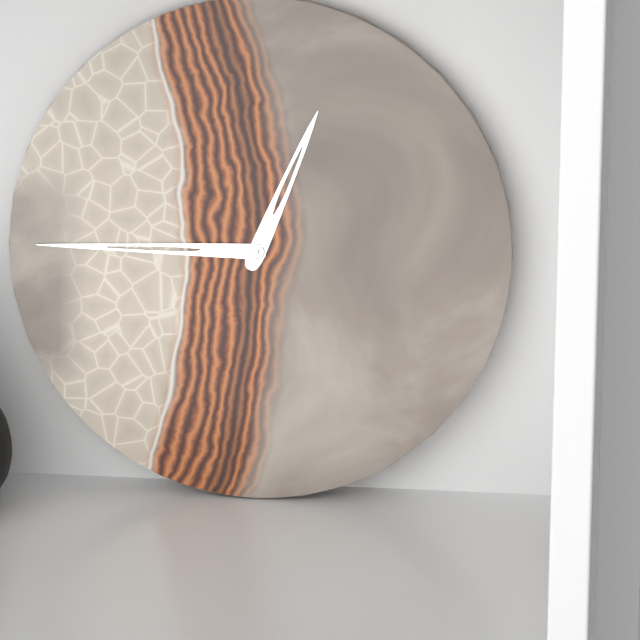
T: 12 h 45 min
